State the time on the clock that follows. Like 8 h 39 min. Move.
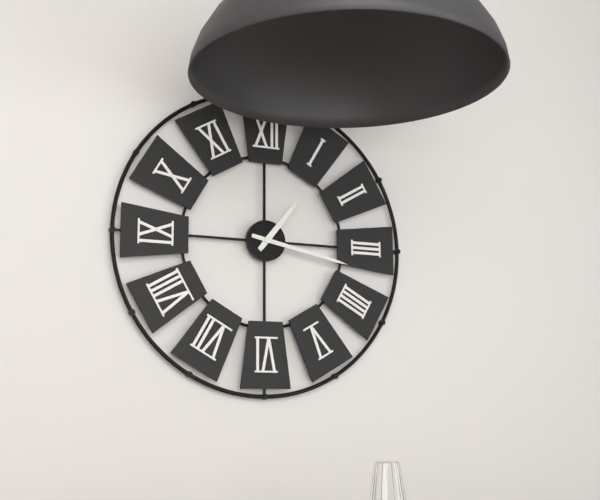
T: 1 h 17 min
